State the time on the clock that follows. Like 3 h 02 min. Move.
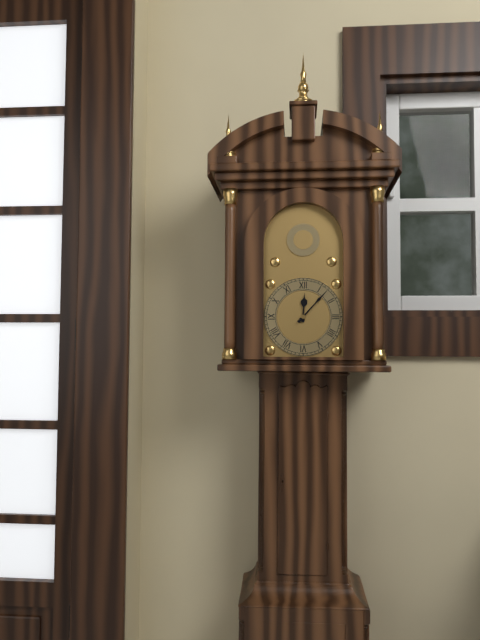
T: 12 h 07 min
